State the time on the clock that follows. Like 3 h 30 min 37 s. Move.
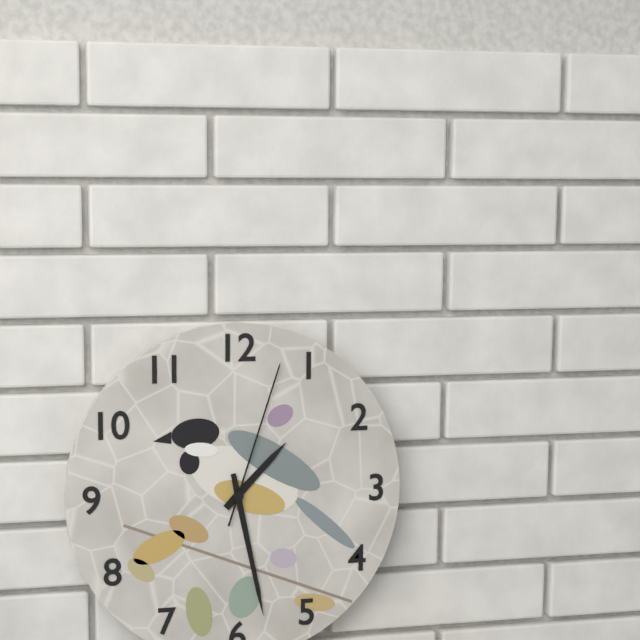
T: 1 h 28 min 03 s
